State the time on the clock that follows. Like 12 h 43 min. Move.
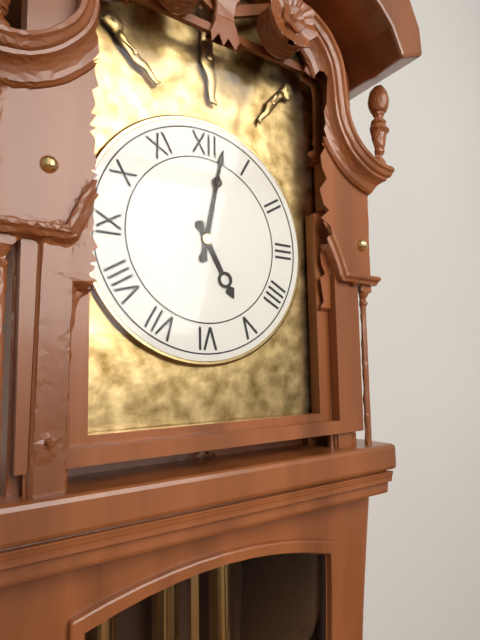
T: 5 h 02 min
